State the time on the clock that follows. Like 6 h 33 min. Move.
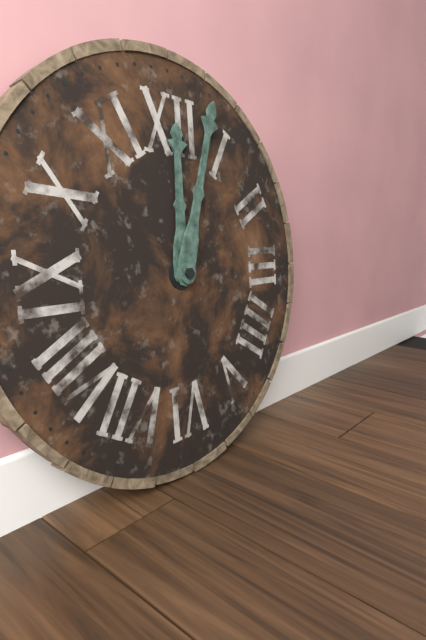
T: 12 h 03 min
